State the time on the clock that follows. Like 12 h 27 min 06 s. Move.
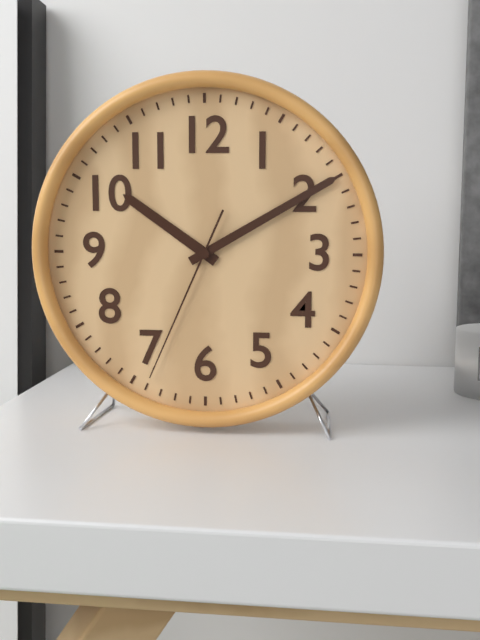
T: 10 h 10 min 34 s
